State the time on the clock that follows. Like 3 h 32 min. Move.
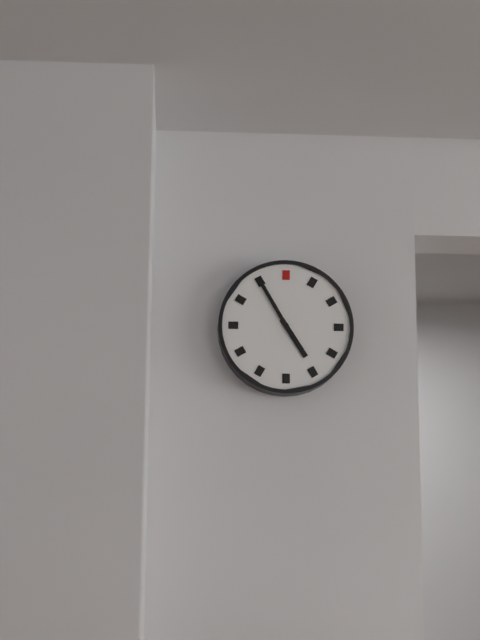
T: 4 h 55 min
